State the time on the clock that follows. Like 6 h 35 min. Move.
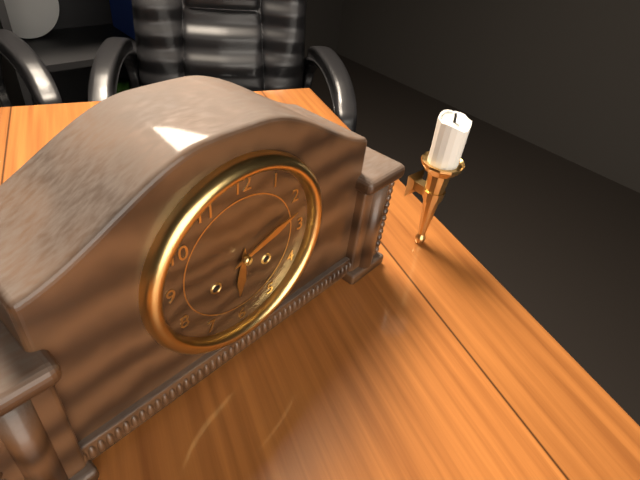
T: 6 h 12 min
